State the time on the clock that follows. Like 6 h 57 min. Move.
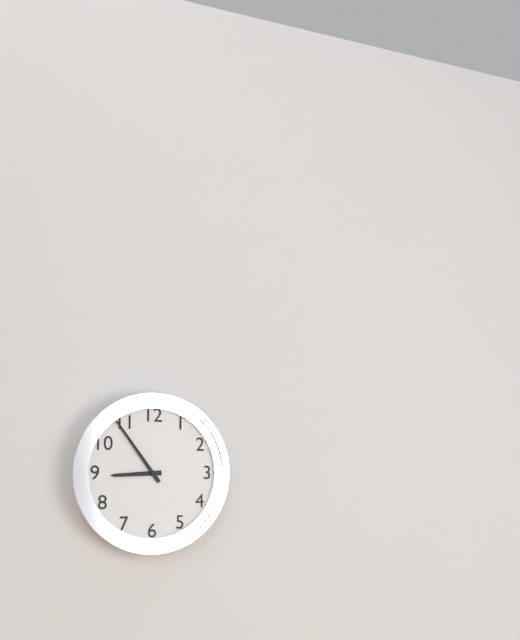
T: 8 h 54 min
